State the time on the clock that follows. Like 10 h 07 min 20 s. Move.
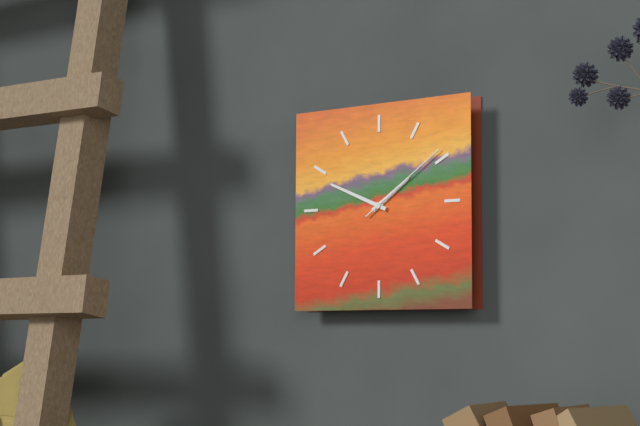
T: 1 h 49 min 09 s
